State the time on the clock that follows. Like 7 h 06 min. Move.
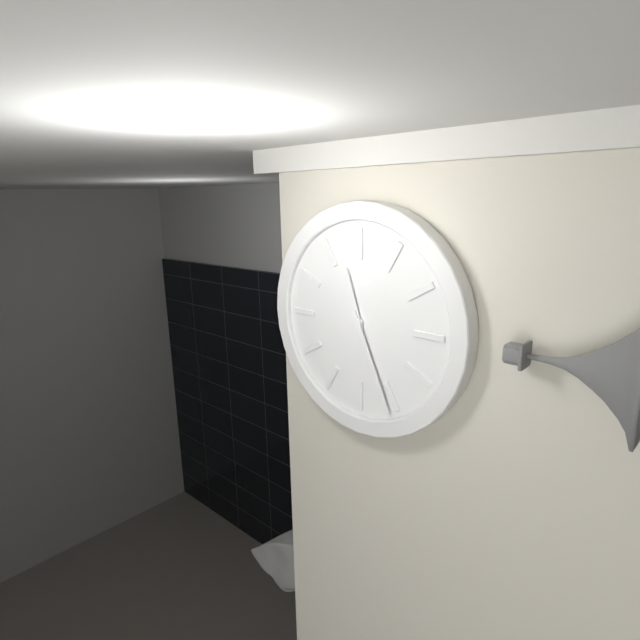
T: 11 h 26 min
